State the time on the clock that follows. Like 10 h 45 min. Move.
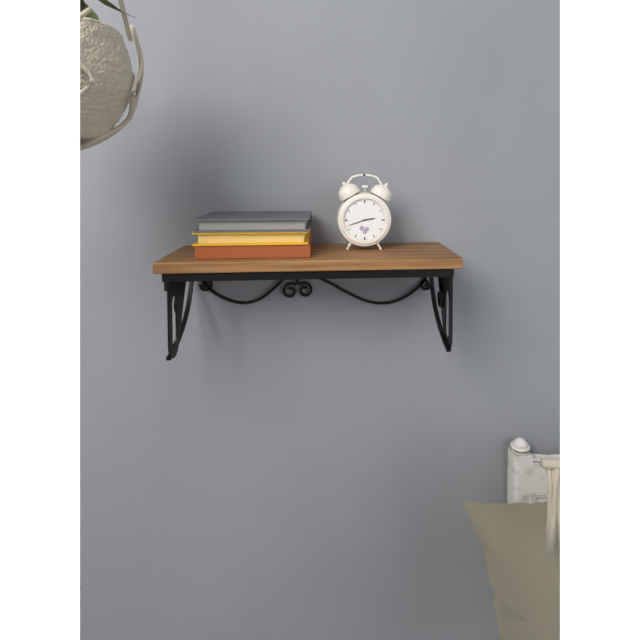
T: 2 h 42 min
